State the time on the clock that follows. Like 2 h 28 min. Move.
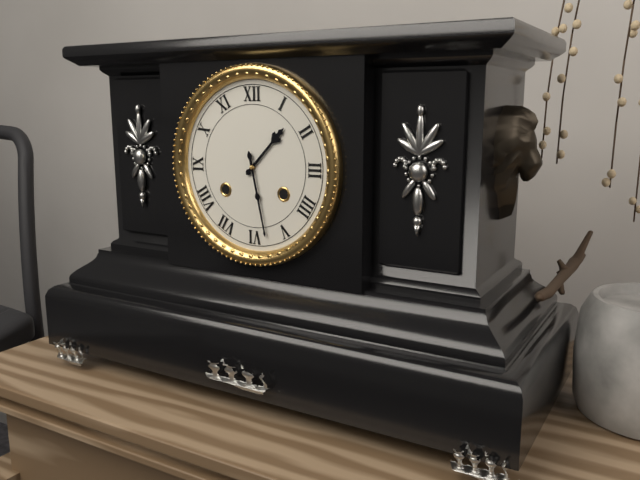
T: 1 h 28 min
